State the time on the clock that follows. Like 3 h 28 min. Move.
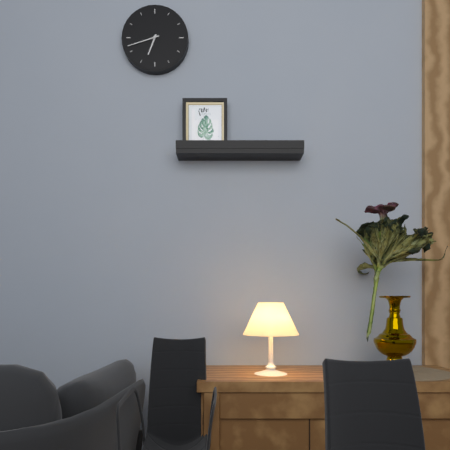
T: 6 h 42 min
